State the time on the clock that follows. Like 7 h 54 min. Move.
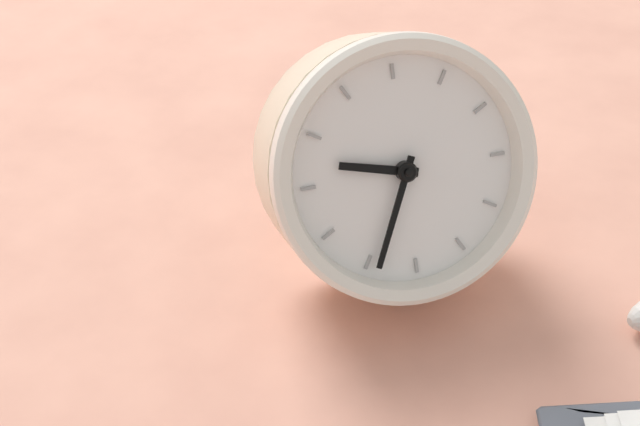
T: 8 h 29 min
